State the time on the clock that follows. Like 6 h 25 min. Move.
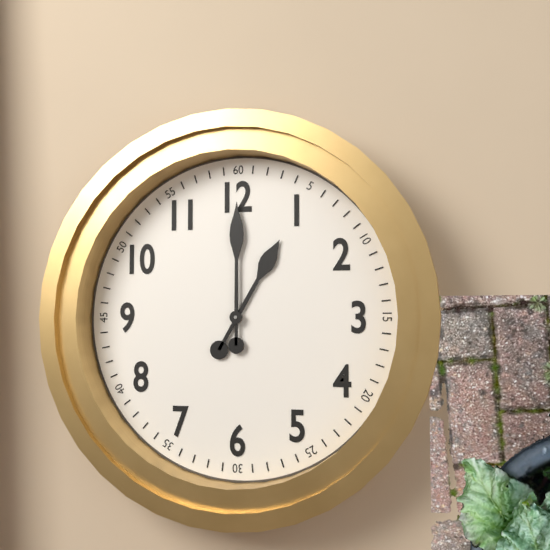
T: 1 h 00 min
